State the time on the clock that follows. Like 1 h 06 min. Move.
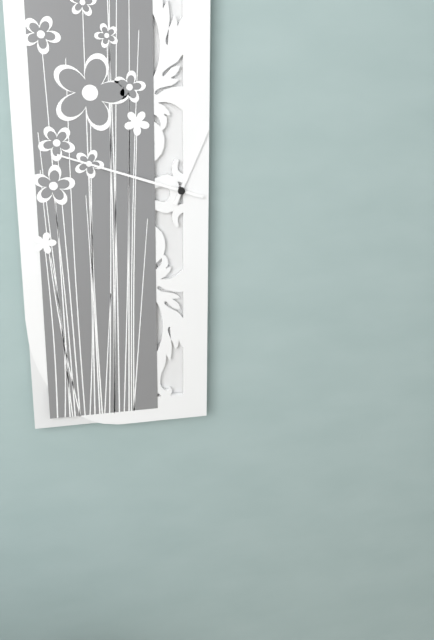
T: 12 h 48 min
